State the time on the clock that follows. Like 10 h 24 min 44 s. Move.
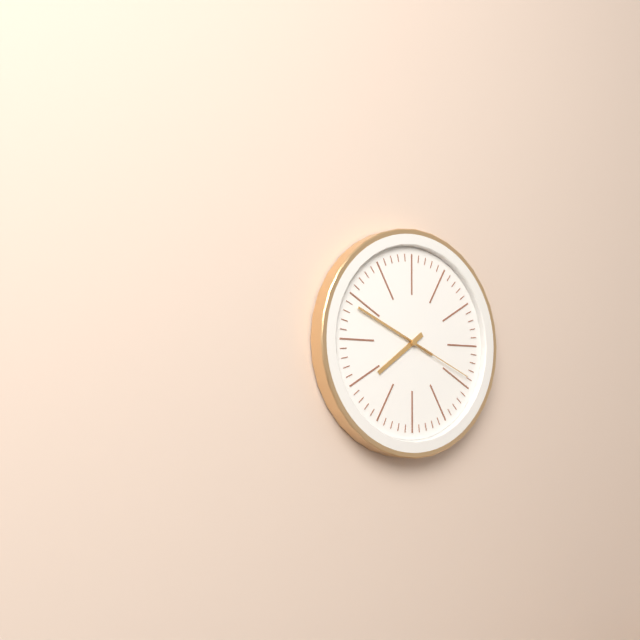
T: 7 h 49 min 19 s
